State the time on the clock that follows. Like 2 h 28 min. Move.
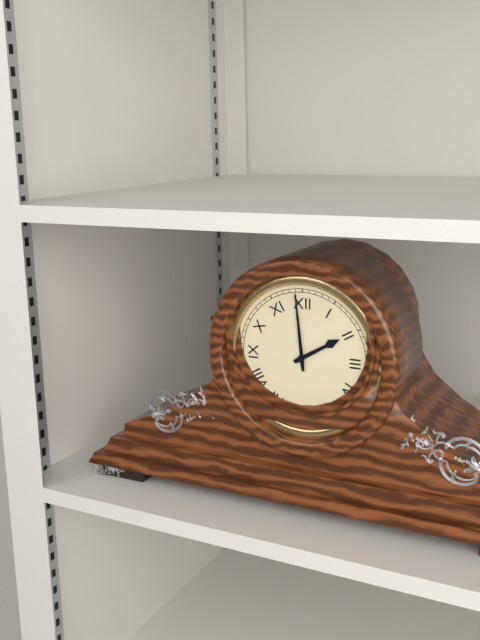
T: 1 h 59 min
